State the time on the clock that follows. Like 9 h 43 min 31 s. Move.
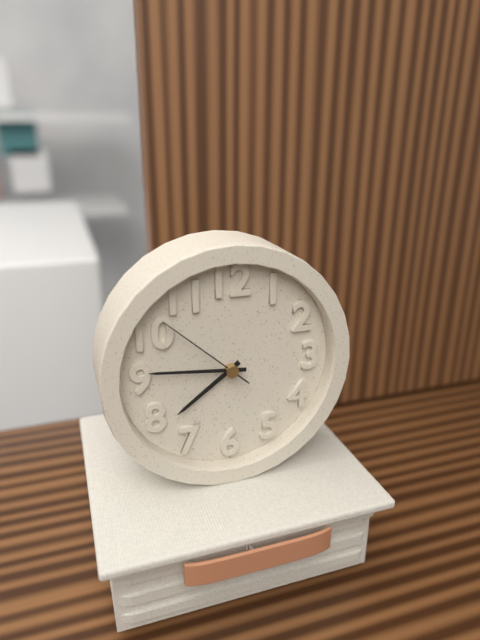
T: 7 h 46 min 52 s
